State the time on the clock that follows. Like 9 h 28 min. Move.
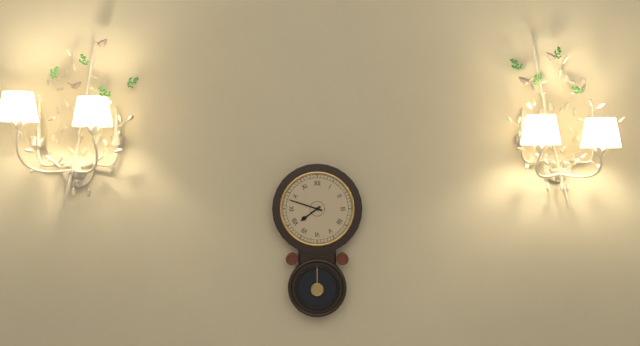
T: 7 h 48 min
